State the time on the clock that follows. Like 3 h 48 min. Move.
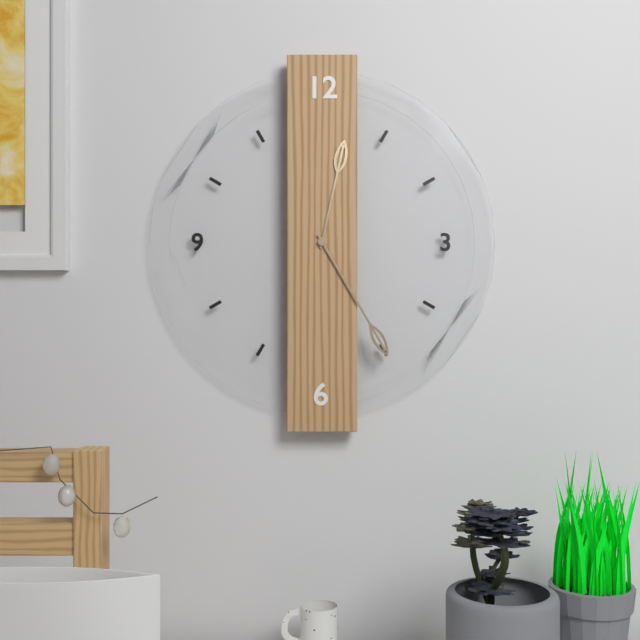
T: 12 h 25 min
